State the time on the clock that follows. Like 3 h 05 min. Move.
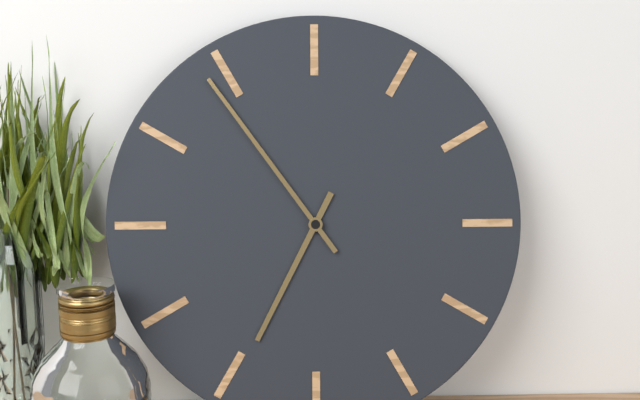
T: 6 h 54 min
